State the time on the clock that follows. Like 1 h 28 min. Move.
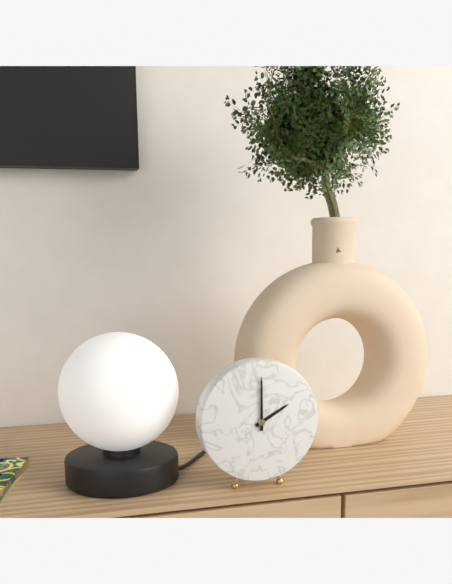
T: 2 h 00 min
